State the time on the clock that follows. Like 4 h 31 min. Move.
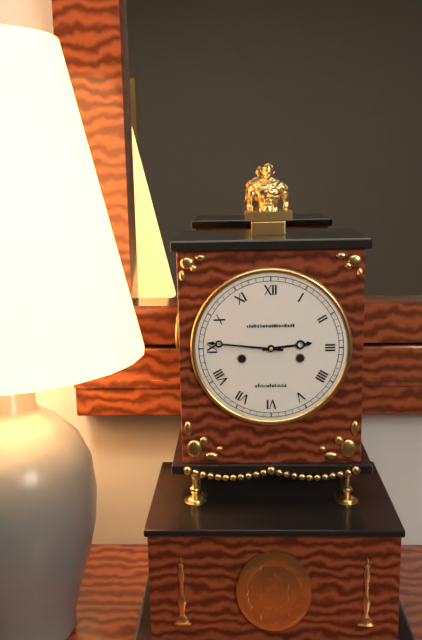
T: 2 h 46 min
